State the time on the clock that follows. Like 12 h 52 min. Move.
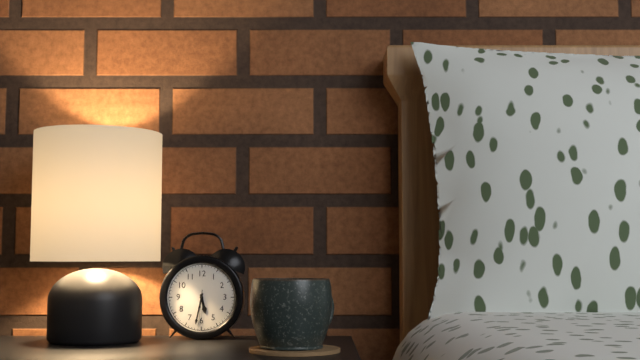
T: 5 h 32 min
